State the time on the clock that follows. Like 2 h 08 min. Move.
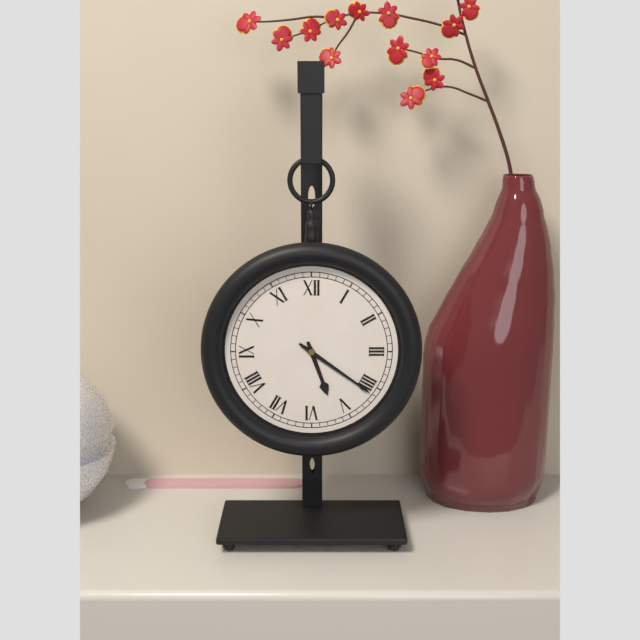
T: 5 h 21 min
